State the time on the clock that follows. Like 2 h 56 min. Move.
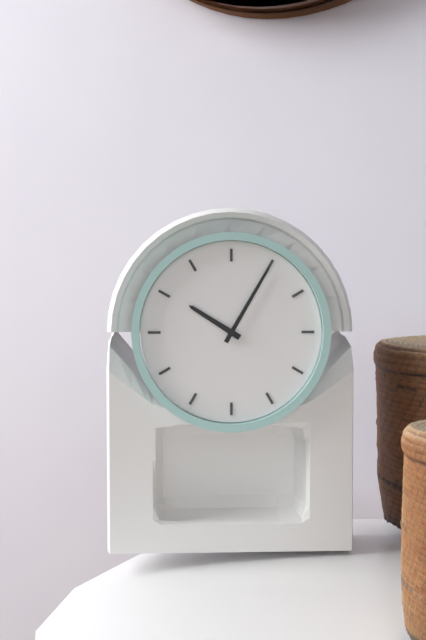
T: 10 h 05 min
